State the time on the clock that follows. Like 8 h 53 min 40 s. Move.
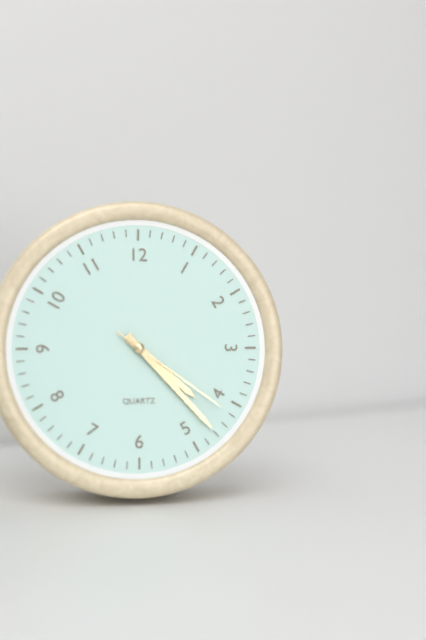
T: 4 h 23 min 21 s
